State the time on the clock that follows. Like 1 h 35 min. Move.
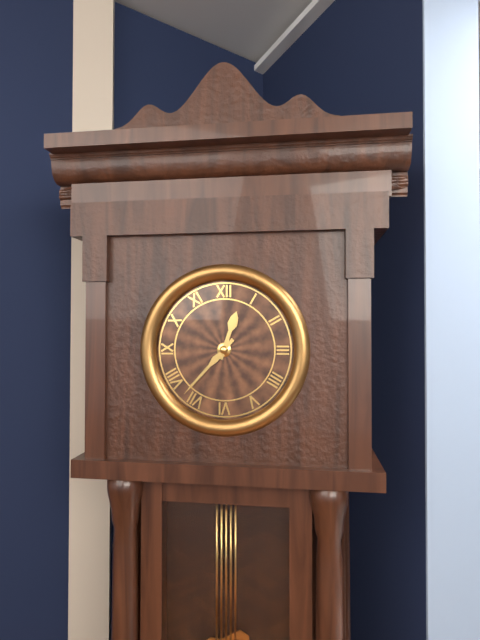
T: 12 h 37 min
